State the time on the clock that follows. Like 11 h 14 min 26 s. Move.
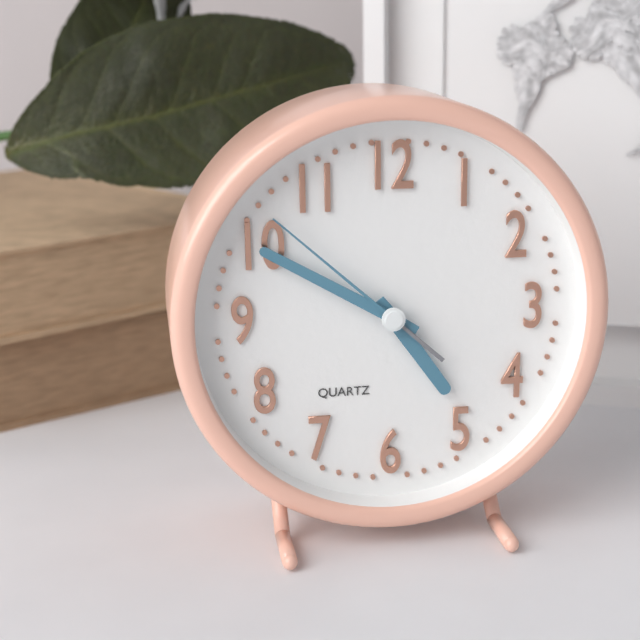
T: 4 h 50 min 52 s
